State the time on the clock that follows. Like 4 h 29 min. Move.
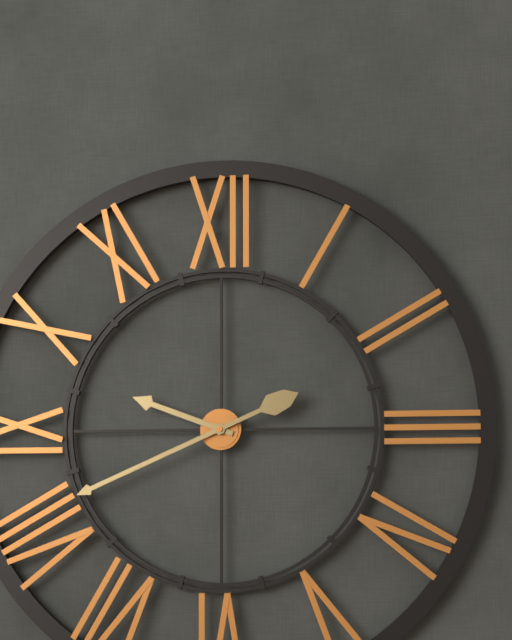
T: 9 h 41 min
